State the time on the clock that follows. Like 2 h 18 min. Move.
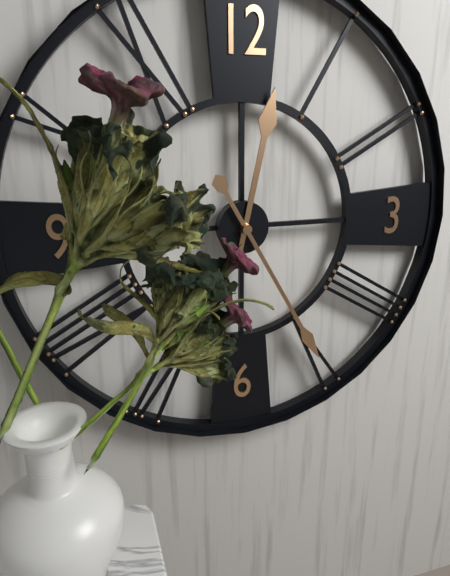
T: 12 h 25 min
